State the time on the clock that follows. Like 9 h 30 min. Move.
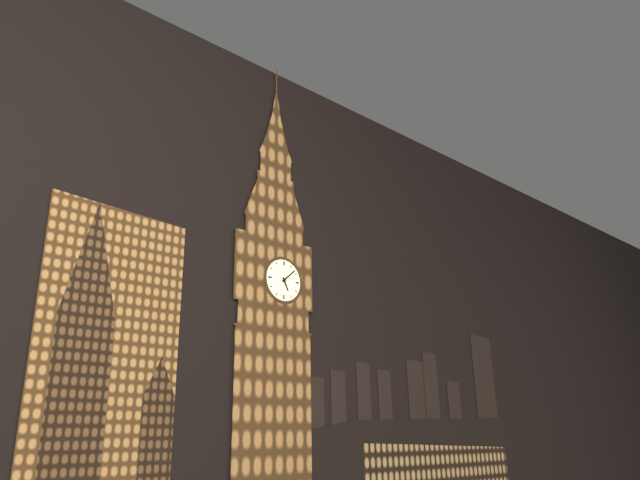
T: 5 h 08 min
